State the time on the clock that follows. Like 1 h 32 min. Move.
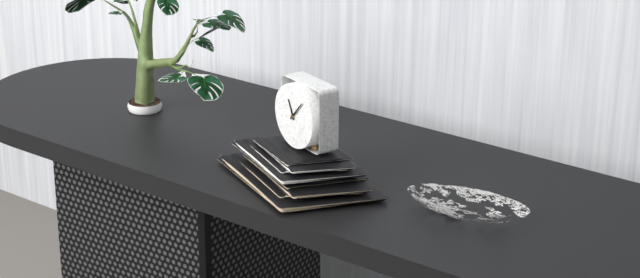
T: 11 h 07 min
